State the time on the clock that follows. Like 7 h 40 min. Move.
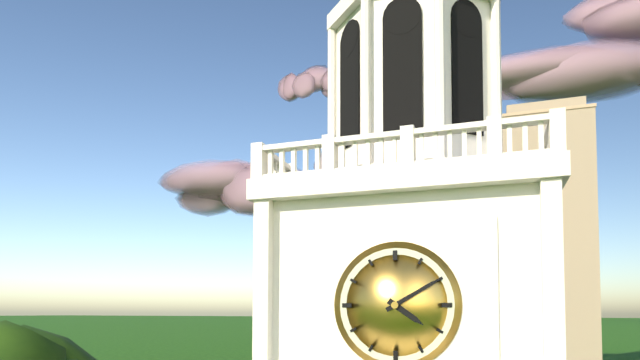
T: 4 h 10 min
